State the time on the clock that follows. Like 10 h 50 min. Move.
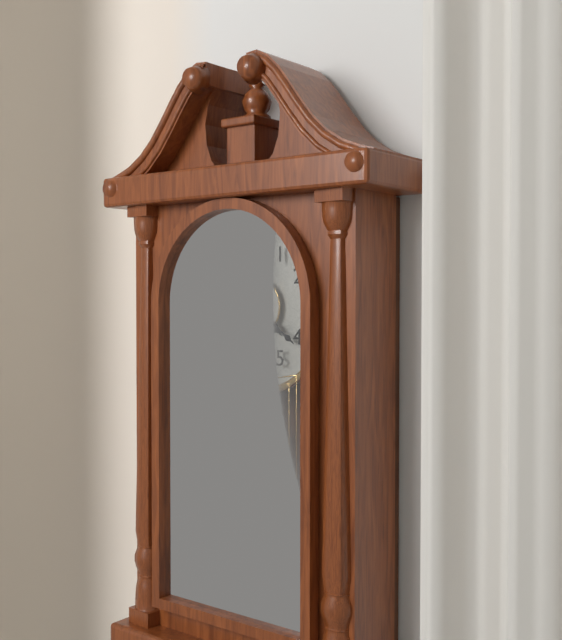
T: 4 h 21 min
